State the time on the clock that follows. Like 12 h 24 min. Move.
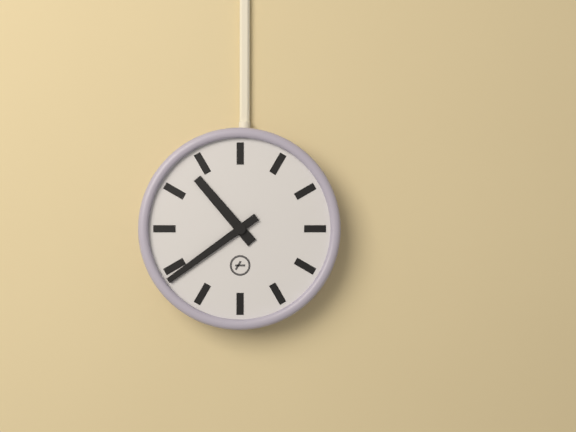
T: 10 h 39 min
